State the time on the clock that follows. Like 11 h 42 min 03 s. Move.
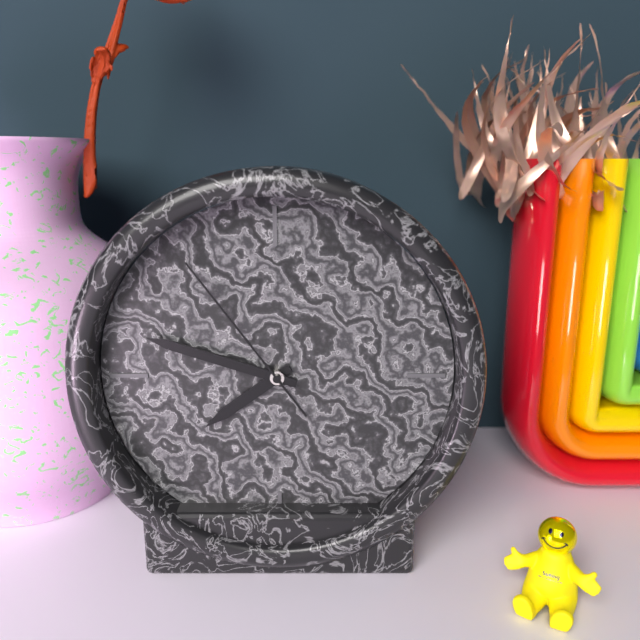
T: 7 h 48 min 54 s
